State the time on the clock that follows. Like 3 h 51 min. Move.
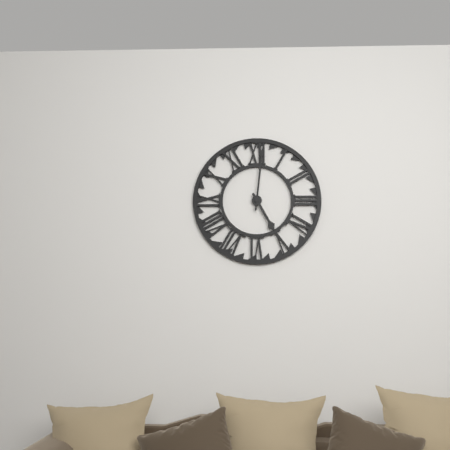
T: 5 h 01 min
